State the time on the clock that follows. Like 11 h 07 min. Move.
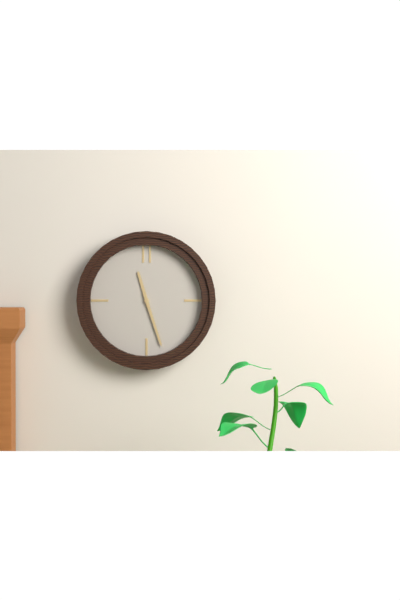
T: 11 h 27 min
